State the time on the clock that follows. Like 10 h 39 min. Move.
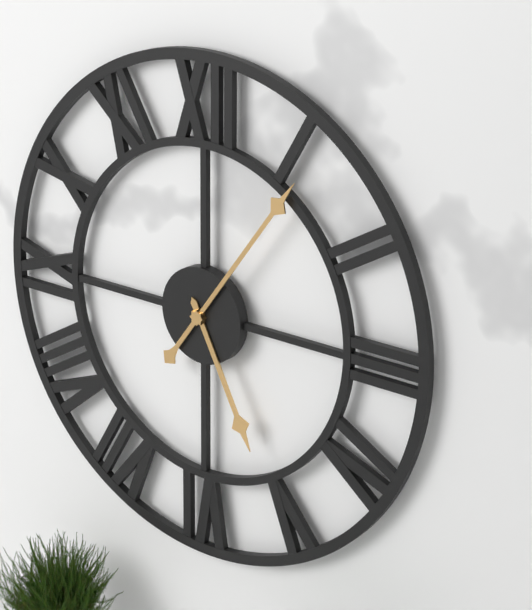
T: 5 h 06 min
